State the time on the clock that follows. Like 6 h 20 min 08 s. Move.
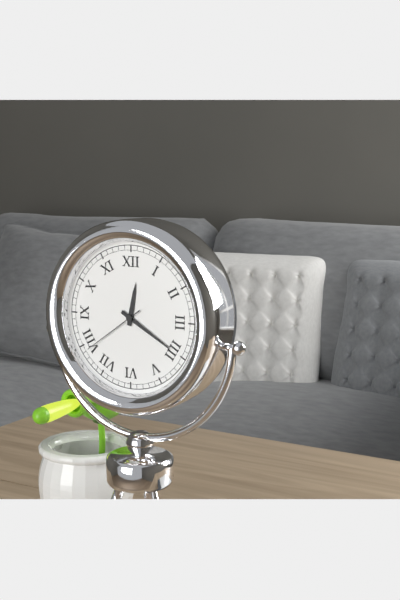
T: 12 h 20 min 39 s
